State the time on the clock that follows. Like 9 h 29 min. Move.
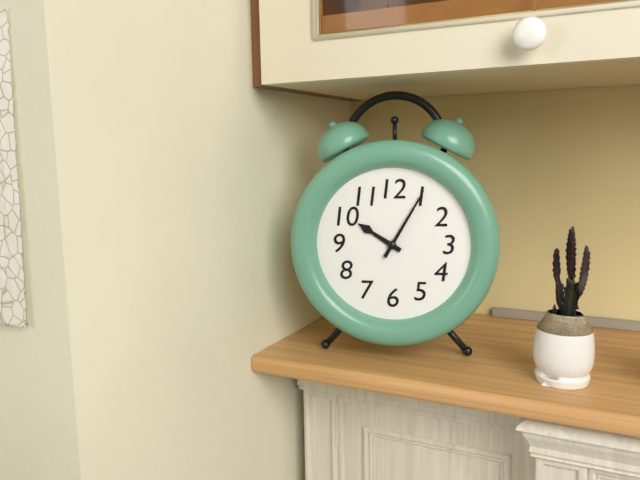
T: 10 h 05 min
